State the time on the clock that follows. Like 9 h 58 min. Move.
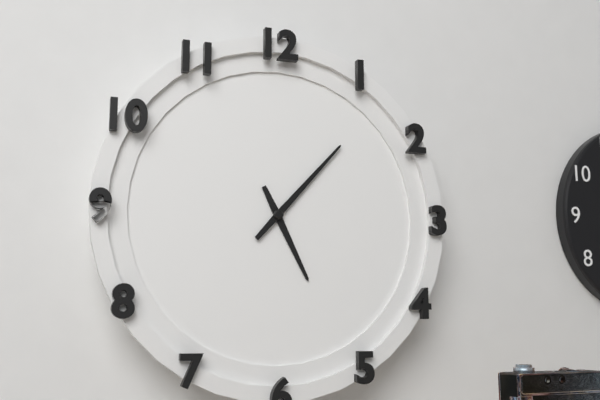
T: 5 h 07 min
